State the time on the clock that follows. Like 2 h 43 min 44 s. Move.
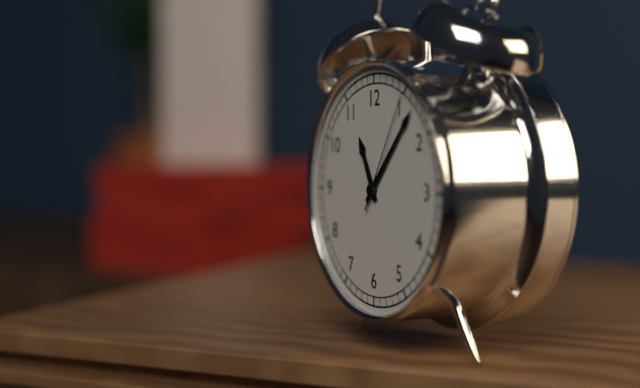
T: 11 h 07 min 05 s
